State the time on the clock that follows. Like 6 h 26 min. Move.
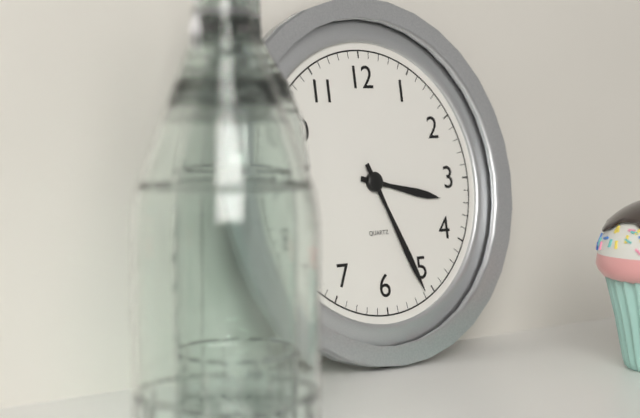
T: 3 h 26 min
